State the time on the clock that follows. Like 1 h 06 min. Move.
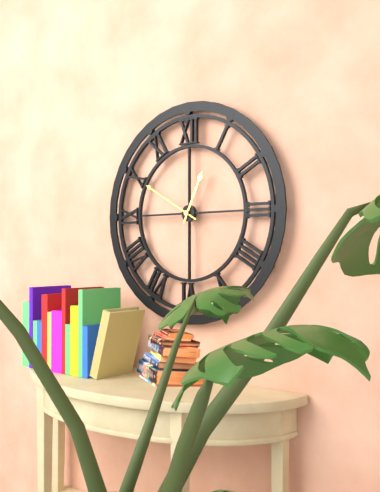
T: 12 h 50 min
